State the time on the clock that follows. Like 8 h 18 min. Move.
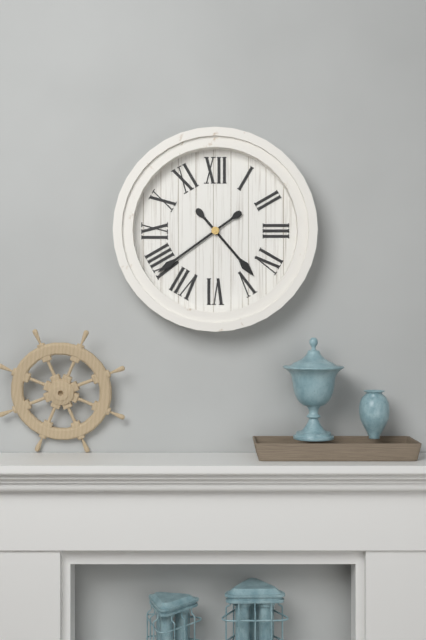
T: 4 h 39 min
